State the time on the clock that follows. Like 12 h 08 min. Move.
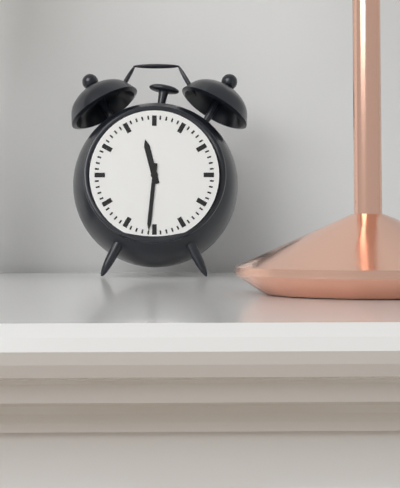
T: 11 h 31 min
